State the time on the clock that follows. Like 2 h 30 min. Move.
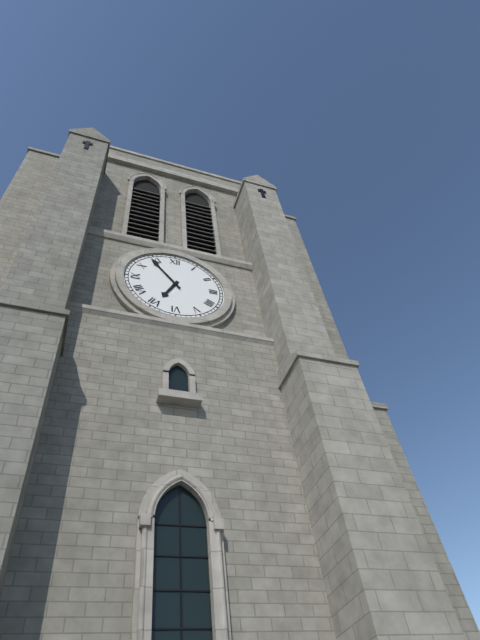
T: 6 h 54 min
